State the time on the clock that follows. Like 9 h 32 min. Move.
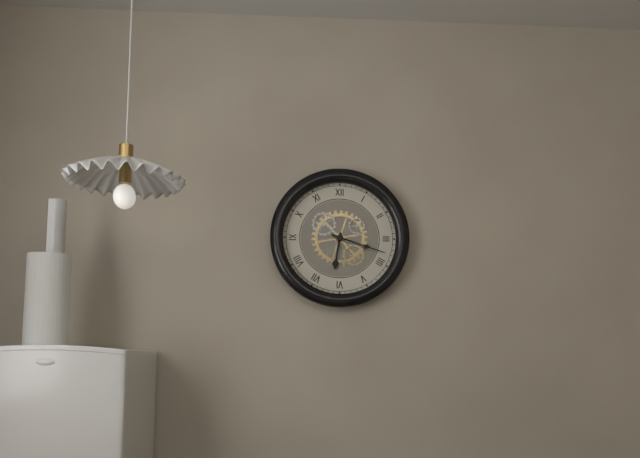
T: 6 h 18 min
